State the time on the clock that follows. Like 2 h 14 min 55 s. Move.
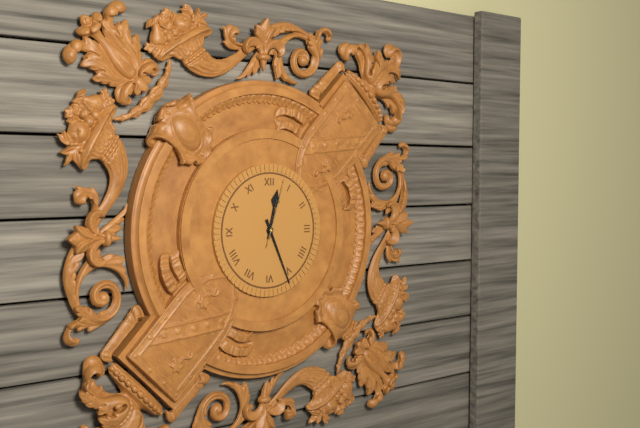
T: 12 h 26 min 03 s
